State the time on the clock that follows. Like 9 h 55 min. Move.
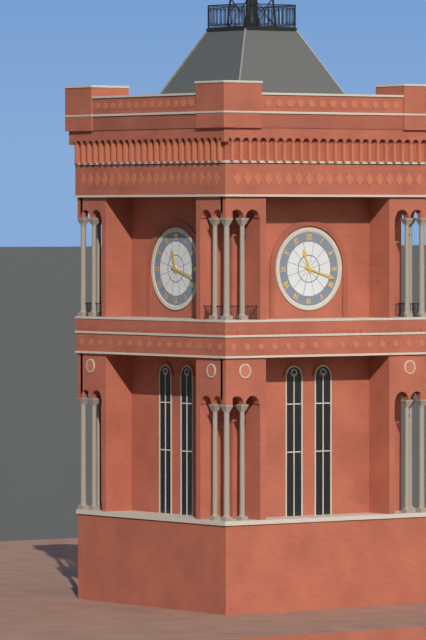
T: 11 h 18 min
